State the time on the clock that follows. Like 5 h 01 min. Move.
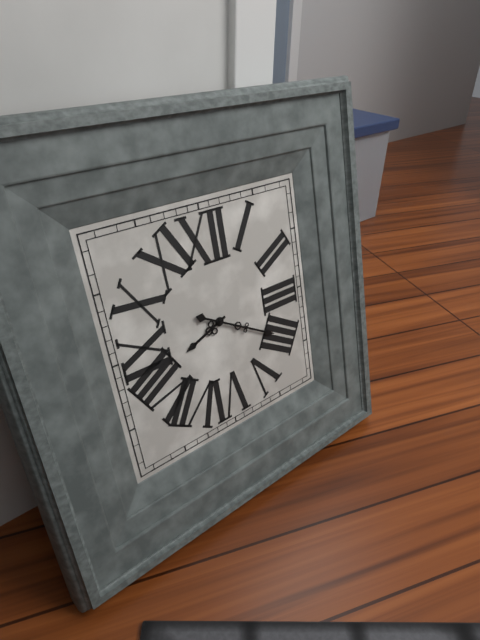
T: 8 h 20 min
